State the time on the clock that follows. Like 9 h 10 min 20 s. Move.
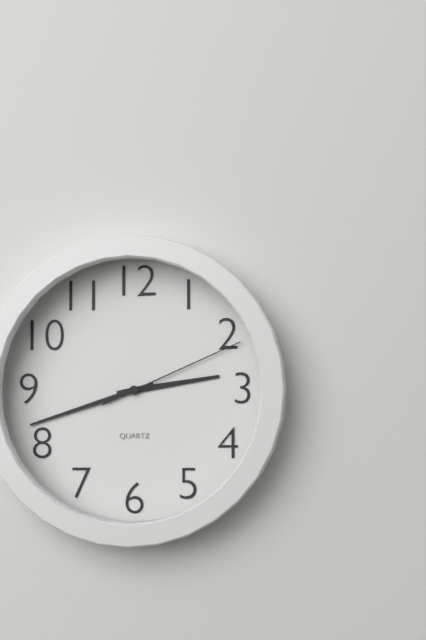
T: 2 h 42 min 11 s
